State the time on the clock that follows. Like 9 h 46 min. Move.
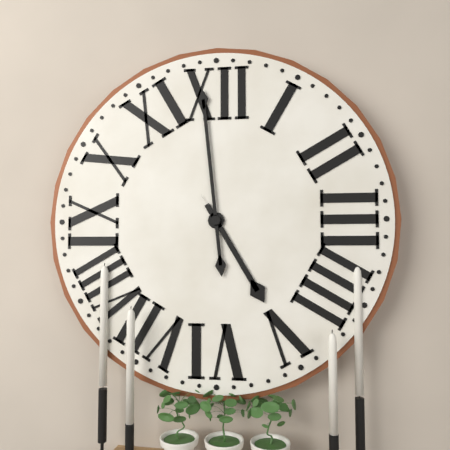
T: 4 h 59 min
